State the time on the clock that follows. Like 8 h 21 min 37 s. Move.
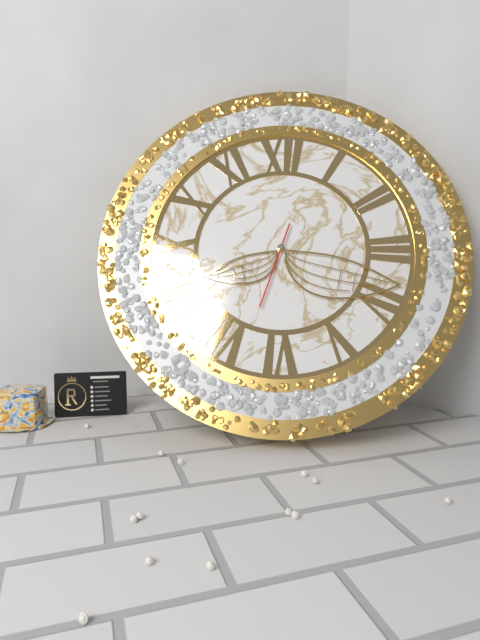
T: 8 h 18 min 33 s
